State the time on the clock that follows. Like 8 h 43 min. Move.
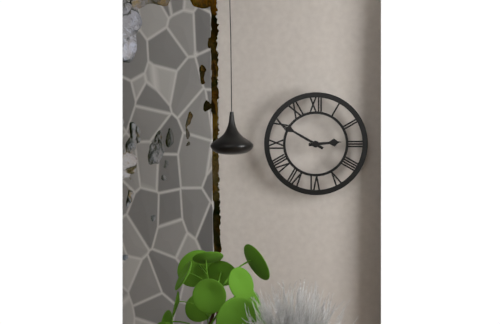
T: 2 h 50 min
